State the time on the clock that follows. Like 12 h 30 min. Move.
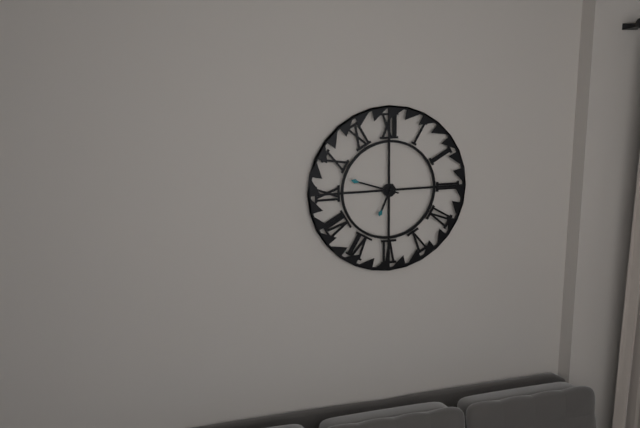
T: 6 h 48 min
